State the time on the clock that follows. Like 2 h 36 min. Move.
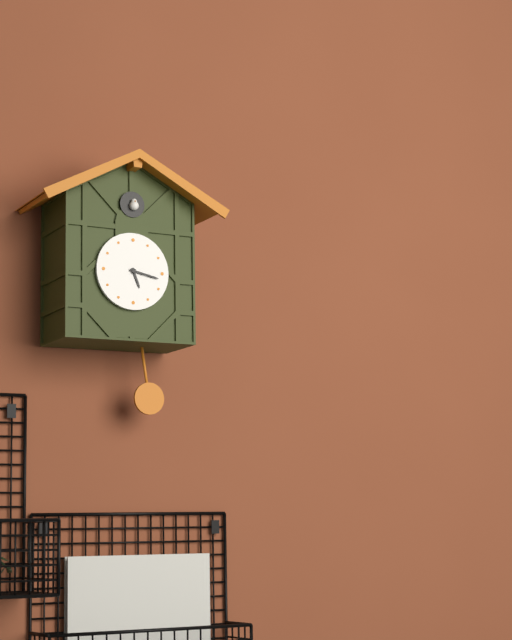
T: 5 h 17 min
